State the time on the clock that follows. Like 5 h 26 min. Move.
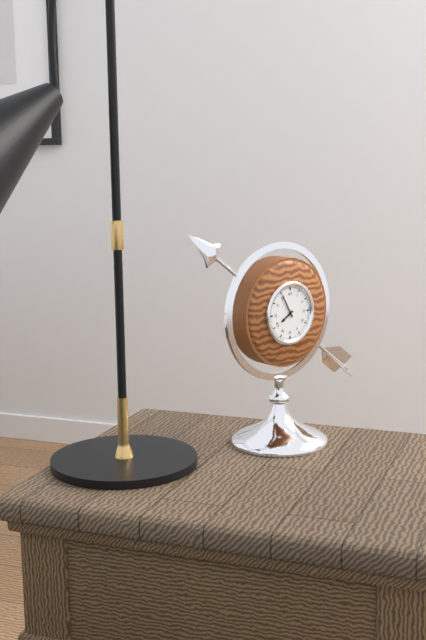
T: 7 h 55 min
